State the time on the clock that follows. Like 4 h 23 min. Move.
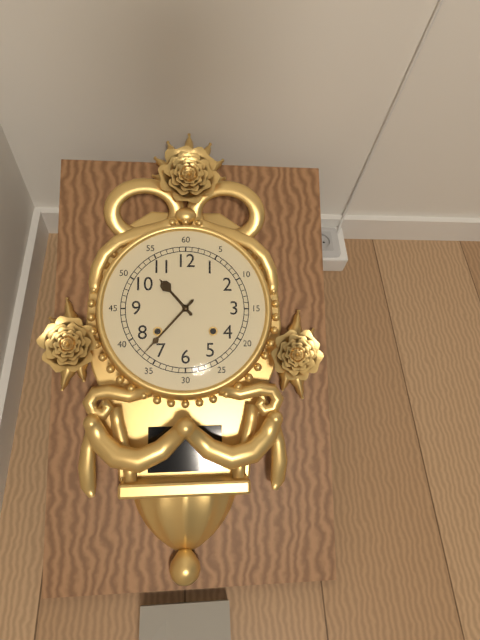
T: 10 h 37 min
